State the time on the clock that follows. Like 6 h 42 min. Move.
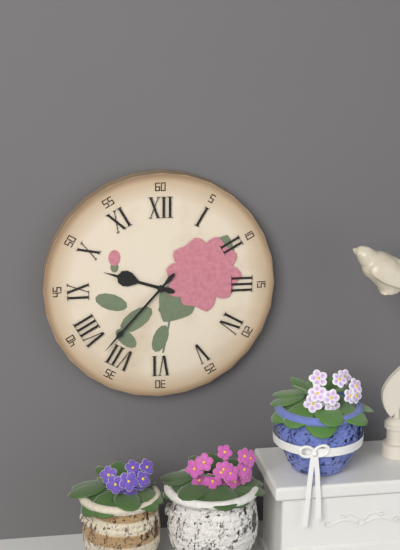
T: 9 h 37 min
